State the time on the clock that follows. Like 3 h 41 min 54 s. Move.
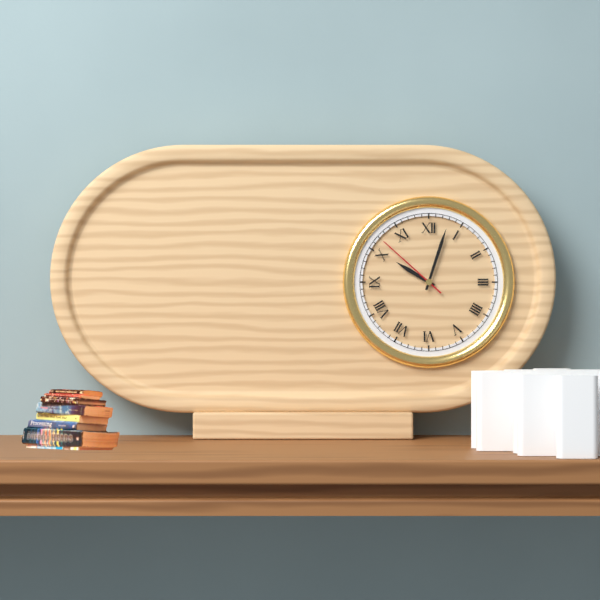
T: 10 h 03 min 52 s
